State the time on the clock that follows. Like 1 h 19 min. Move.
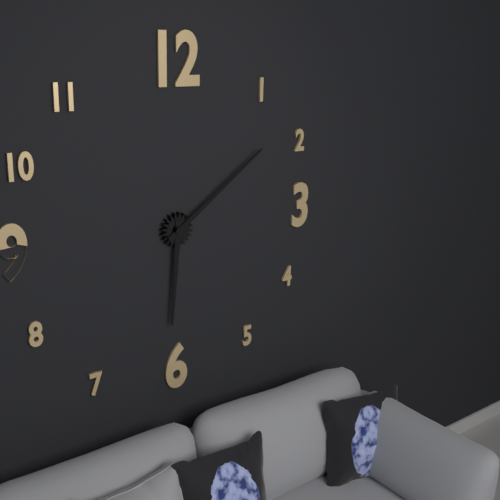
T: 6 h 09 min
